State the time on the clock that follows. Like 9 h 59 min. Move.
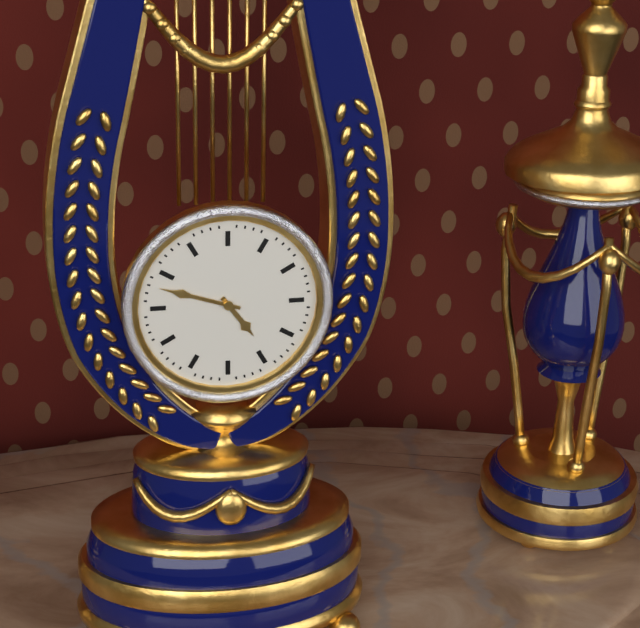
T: 4 h 48 min
